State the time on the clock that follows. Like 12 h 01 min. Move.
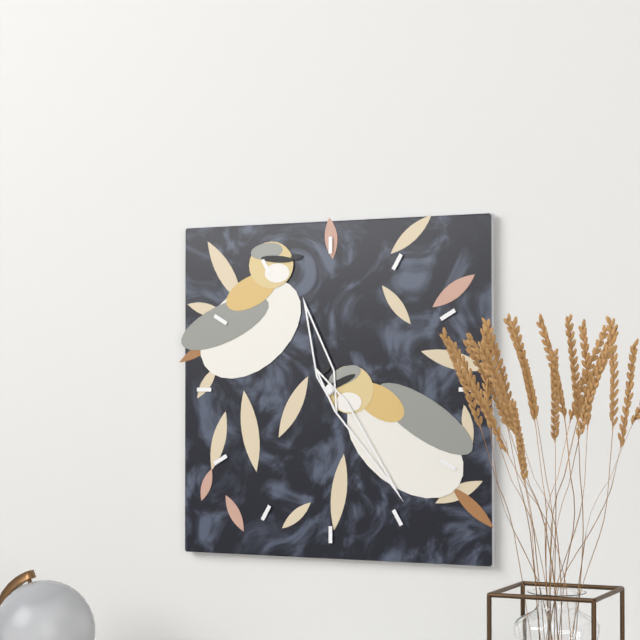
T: 11 h 24 min
